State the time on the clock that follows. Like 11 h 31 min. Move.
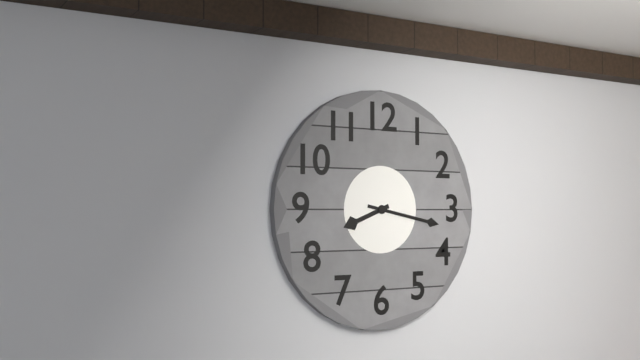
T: 8 h 17 min
